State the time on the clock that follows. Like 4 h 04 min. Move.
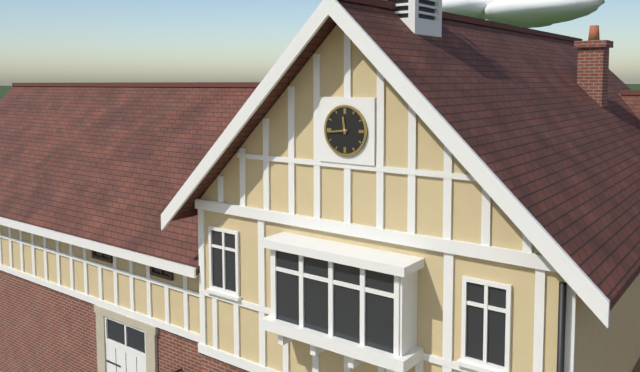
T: 11 h 44 min
